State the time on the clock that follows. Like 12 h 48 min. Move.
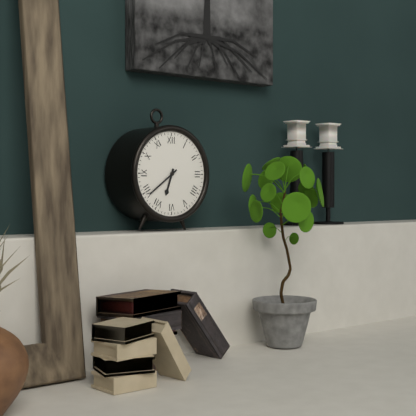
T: 6 h 39 min
